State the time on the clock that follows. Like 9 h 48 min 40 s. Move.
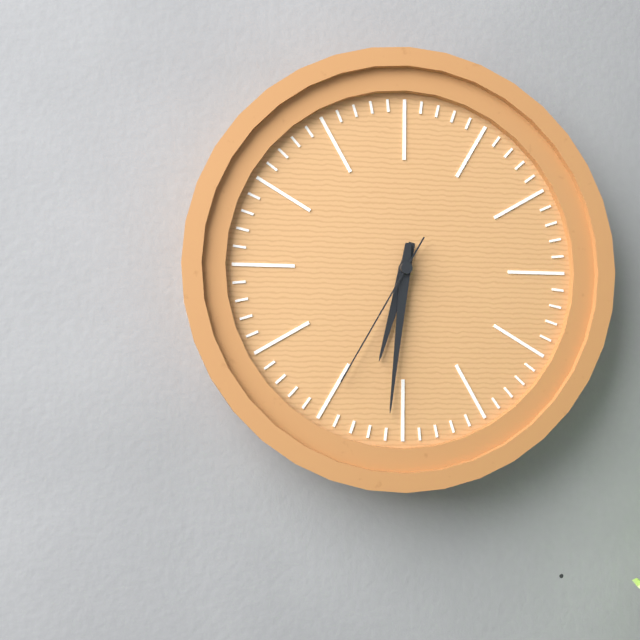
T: 6 h 31 min 35 s
